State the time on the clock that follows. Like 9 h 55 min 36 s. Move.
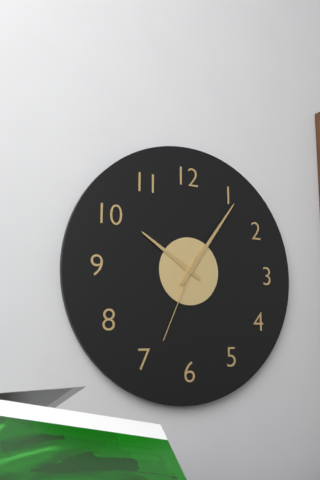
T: 10 h 06 min 34 s
